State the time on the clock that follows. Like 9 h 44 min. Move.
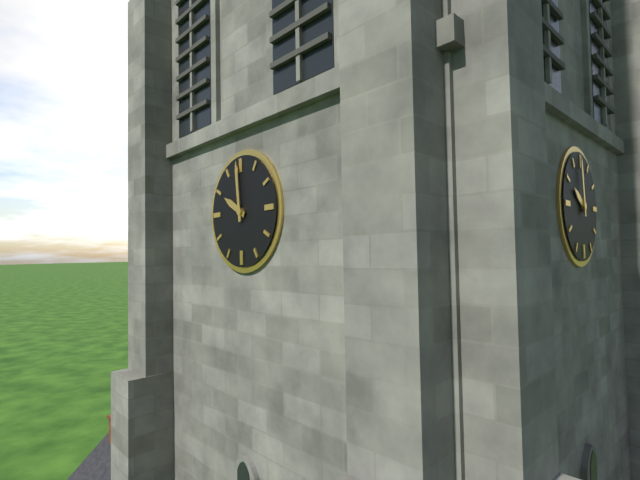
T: 9 h 59 min
